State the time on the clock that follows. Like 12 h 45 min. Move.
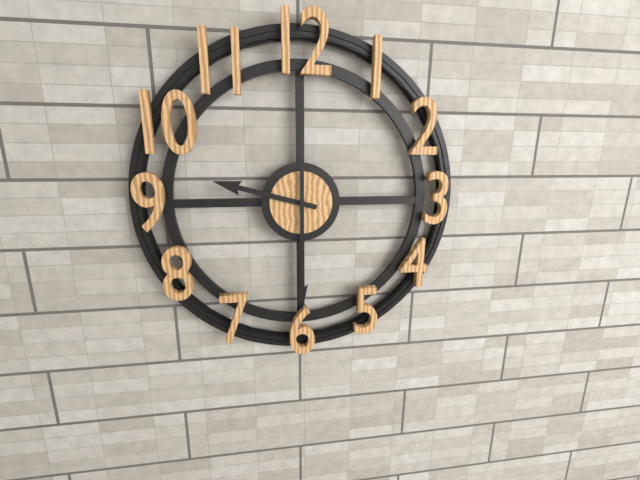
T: 9 h 30 min
